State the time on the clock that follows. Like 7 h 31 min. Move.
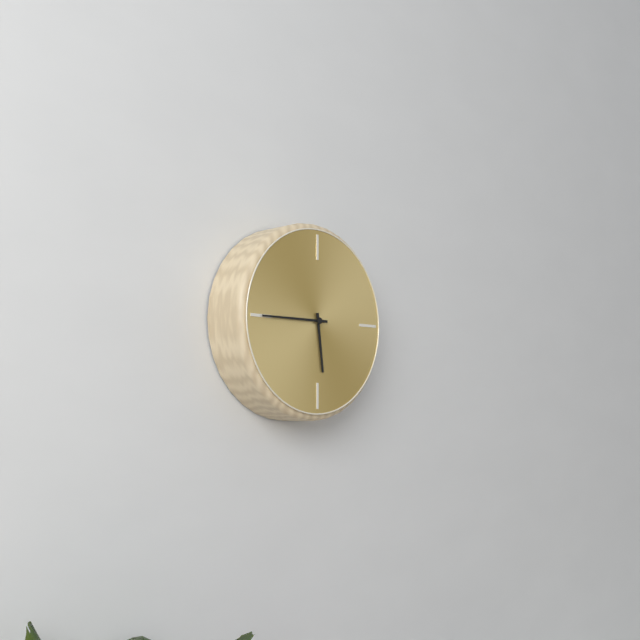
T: 5 h 45 min
